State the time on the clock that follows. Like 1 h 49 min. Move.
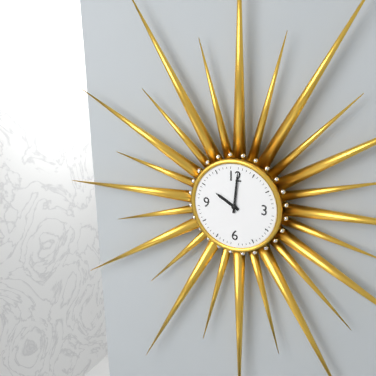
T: 10 h 01 min
